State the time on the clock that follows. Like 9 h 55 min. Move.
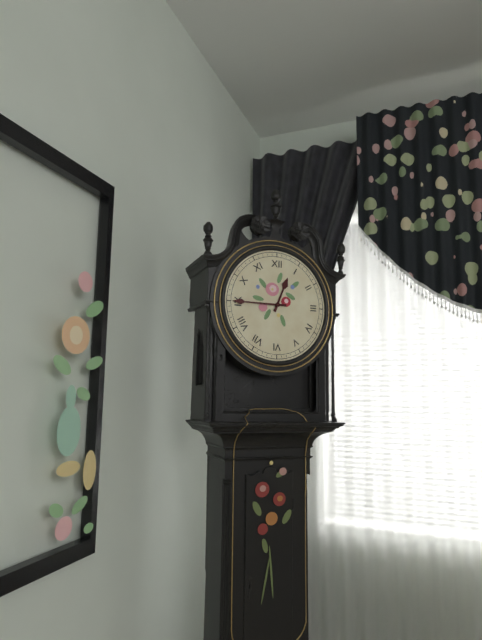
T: 12 h 45 min
